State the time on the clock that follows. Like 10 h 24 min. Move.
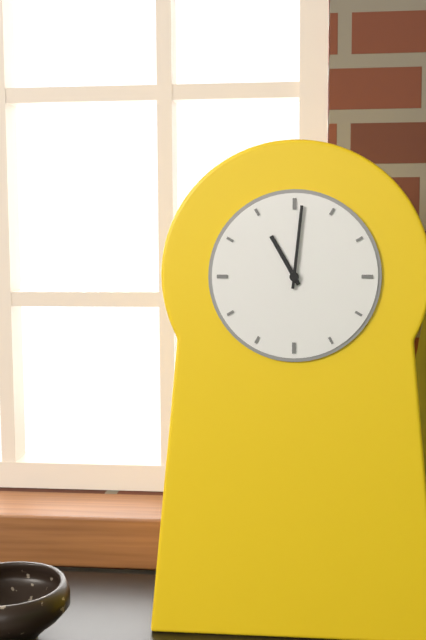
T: 11 h 01 min
